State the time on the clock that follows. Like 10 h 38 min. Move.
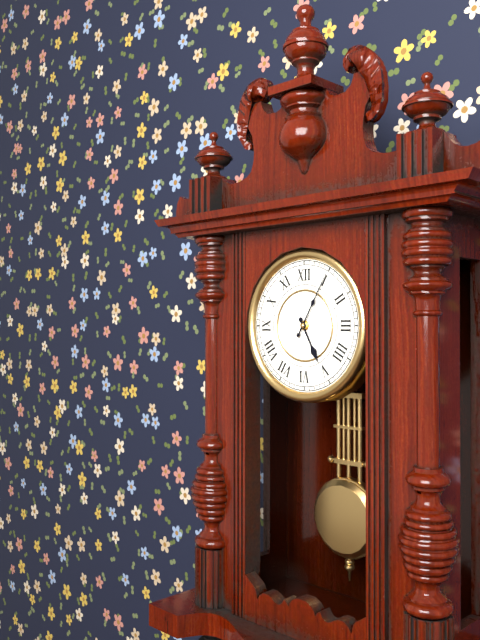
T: 5 h 05 min
